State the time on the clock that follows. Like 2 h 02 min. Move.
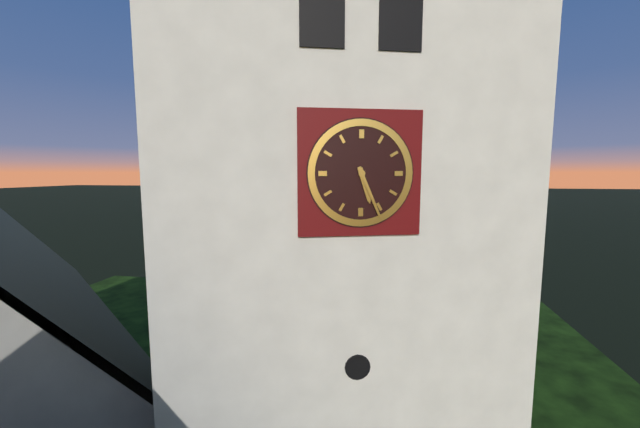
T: 5 h 26 min
